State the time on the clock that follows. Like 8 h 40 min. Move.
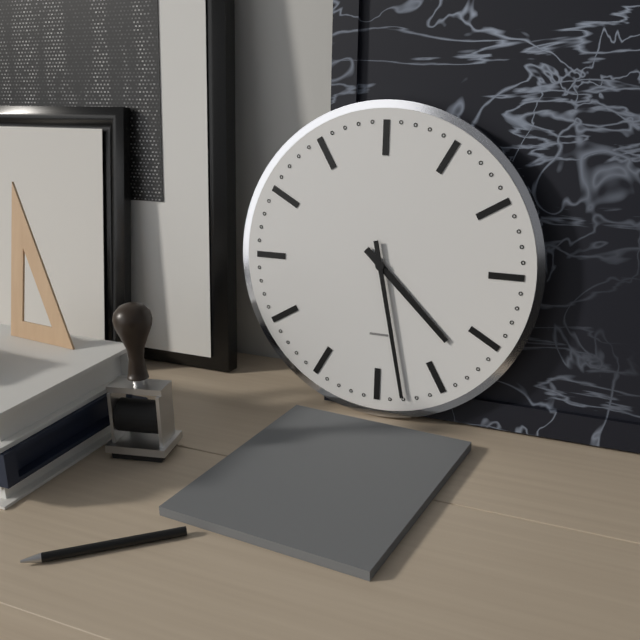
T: 4 h 28 min
